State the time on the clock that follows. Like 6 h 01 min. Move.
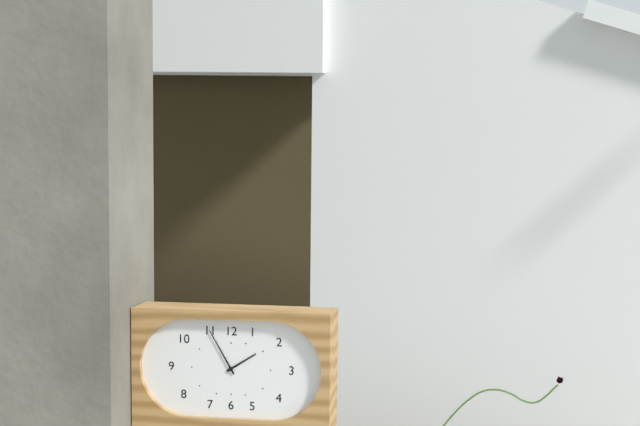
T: 1 h 55 min
